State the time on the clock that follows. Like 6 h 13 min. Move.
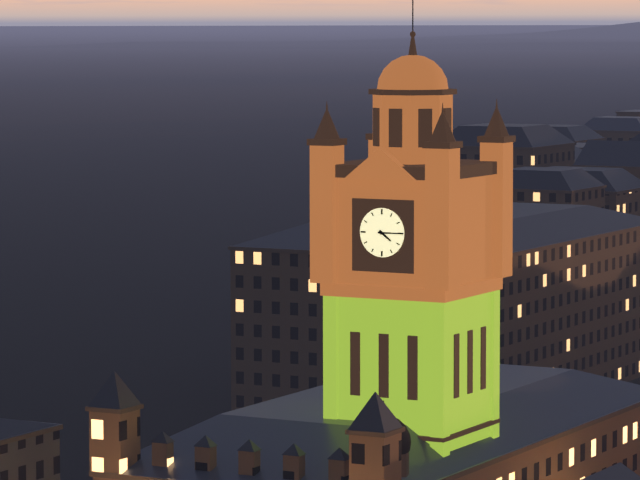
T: 4 h 15 min
